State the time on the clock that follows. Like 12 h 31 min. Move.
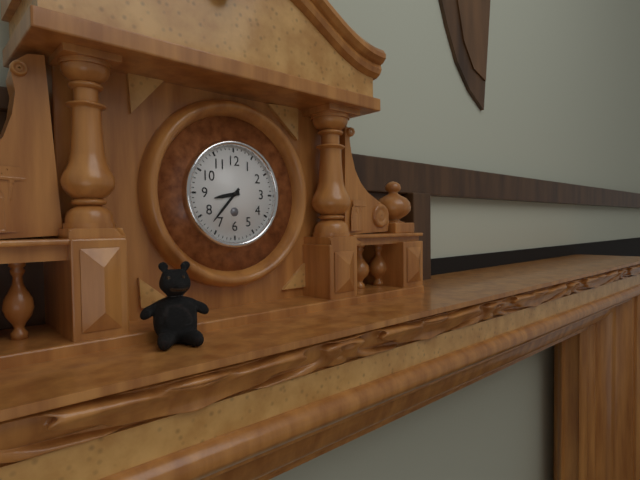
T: 8 h 37 min
